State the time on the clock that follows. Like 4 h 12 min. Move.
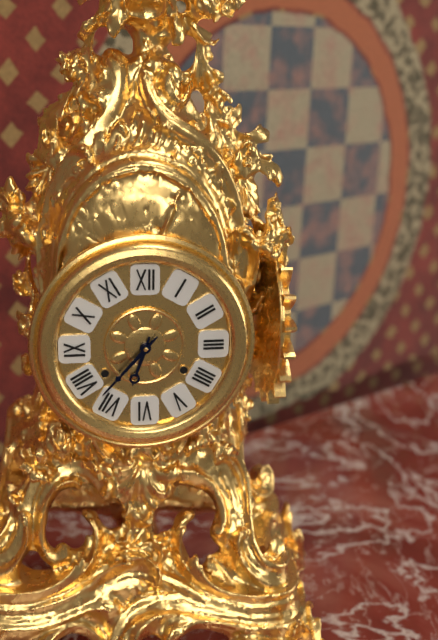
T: 6 h 37 min
